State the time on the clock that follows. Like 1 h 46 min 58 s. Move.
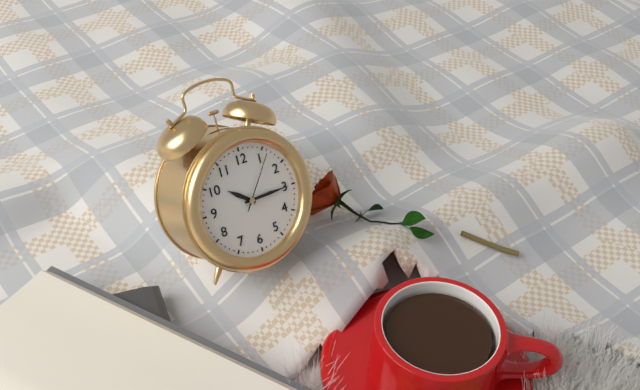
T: 10 h 15 min 06 s
